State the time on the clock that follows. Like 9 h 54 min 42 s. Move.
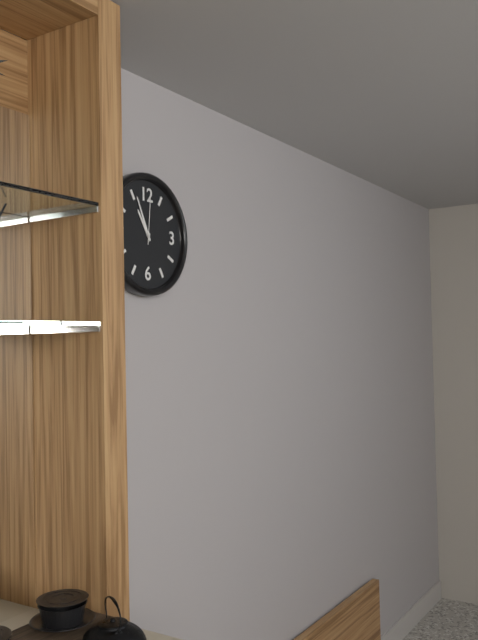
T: 10 h 56 min 01 s
